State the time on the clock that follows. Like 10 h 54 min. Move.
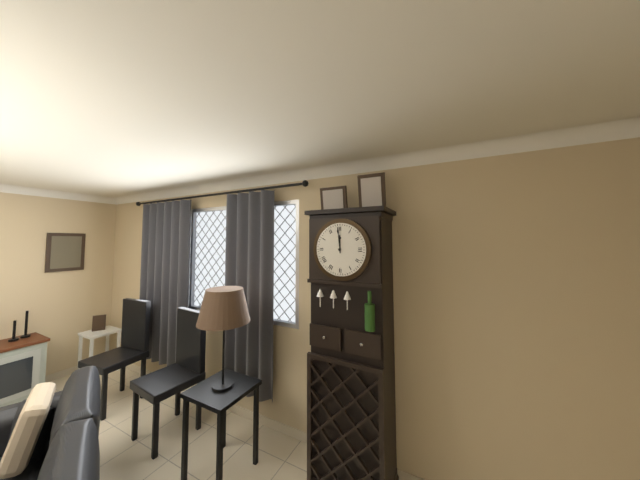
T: 11 h 59 min
